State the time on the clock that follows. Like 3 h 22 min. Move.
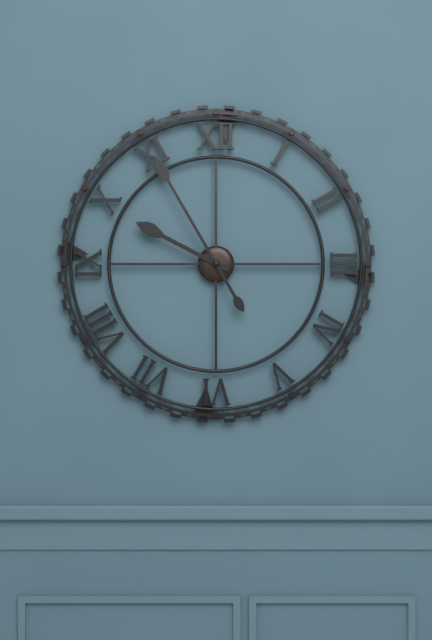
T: 9 h 55 min
